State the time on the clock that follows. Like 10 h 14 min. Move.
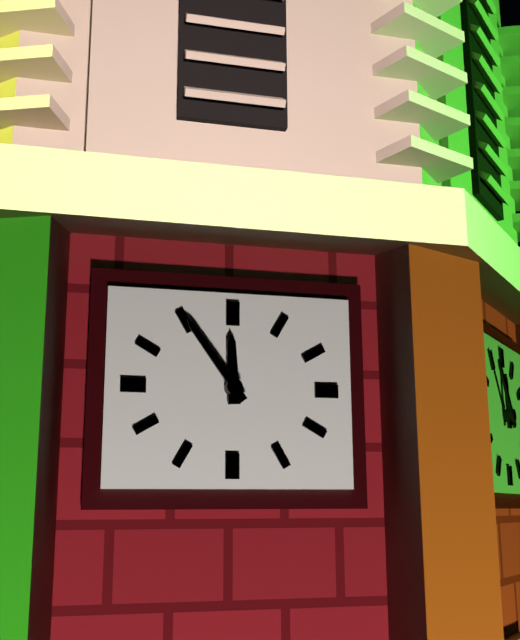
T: 11 h 54 min
